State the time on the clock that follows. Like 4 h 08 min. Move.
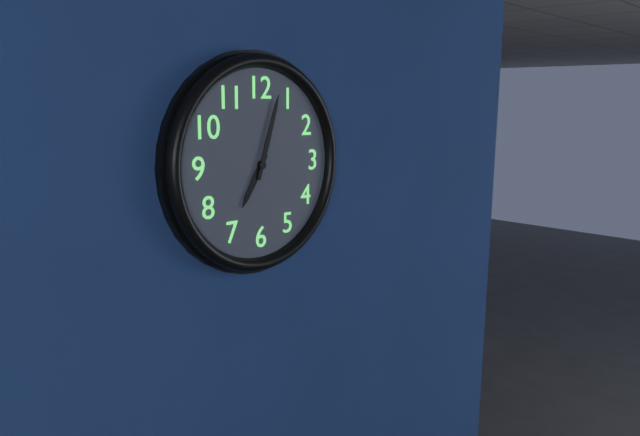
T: 7 h 03 min
